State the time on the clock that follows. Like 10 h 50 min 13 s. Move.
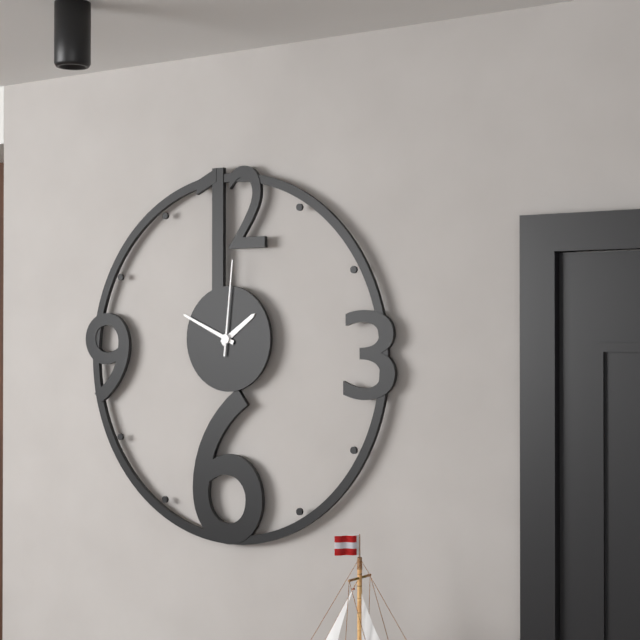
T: 1 h 49 min 01 s
